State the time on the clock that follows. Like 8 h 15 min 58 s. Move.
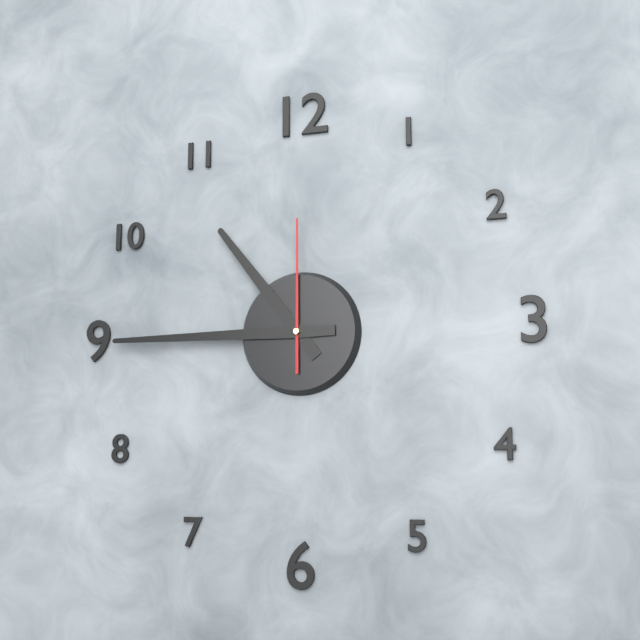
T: 10 h 45 min 00 s
